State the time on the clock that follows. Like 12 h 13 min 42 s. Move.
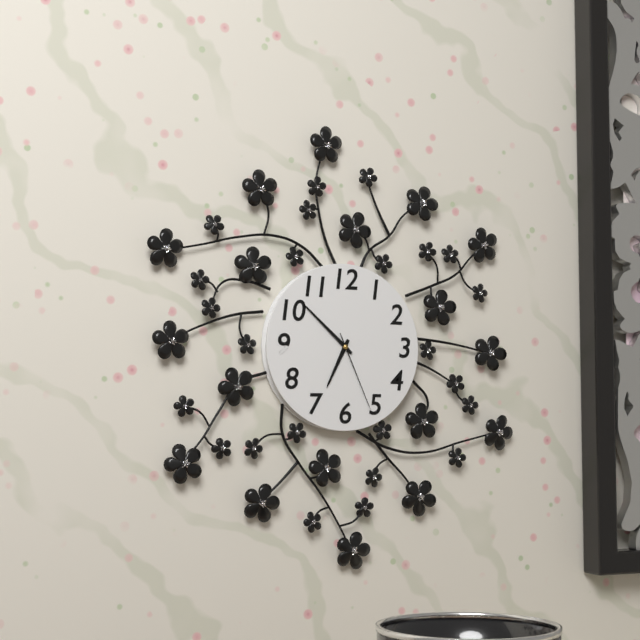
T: 6 h 52 min 26 s
